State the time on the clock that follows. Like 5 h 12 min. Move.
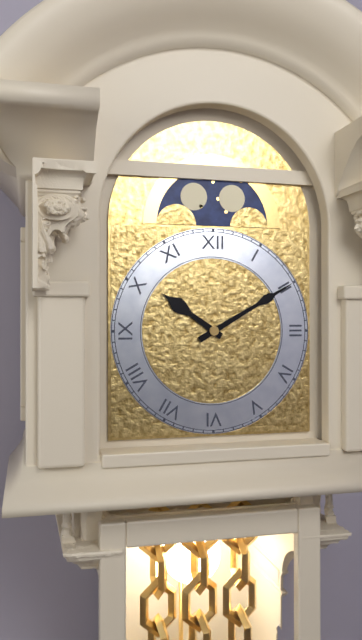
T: 10 h 10 min
